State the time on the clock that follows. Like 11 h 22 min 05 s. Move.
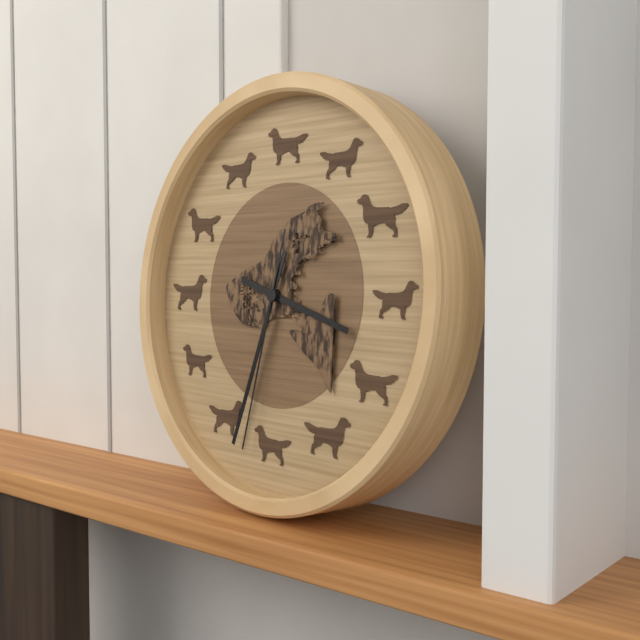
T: 3 h 33 min 32 s
